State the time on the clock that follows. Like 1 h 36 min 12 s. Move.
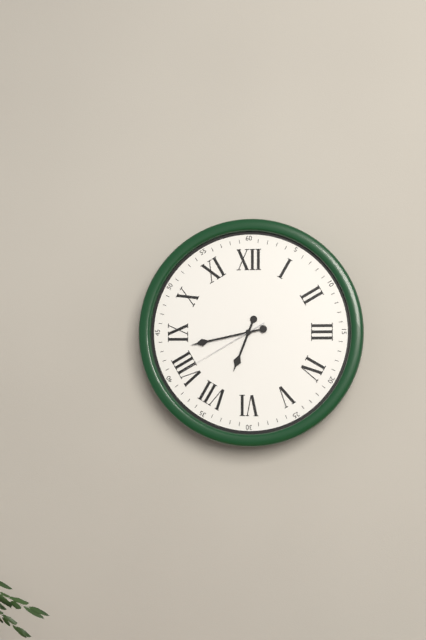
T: 6 h 43 min 40 s
